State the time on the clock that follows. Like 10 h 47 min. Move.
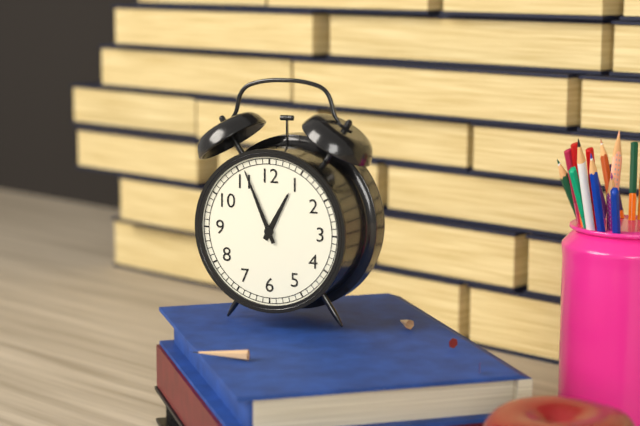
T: 12 h 56 min
